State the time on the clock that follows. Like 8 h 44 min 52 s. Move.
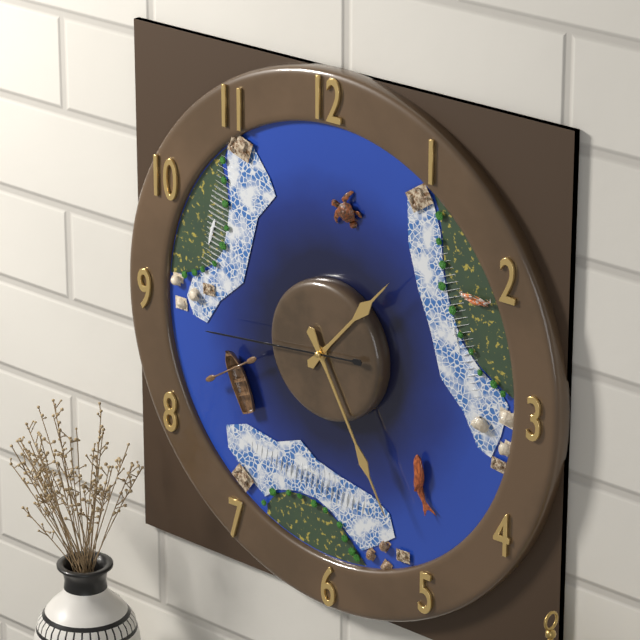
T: 1 h 25 min 44 s
